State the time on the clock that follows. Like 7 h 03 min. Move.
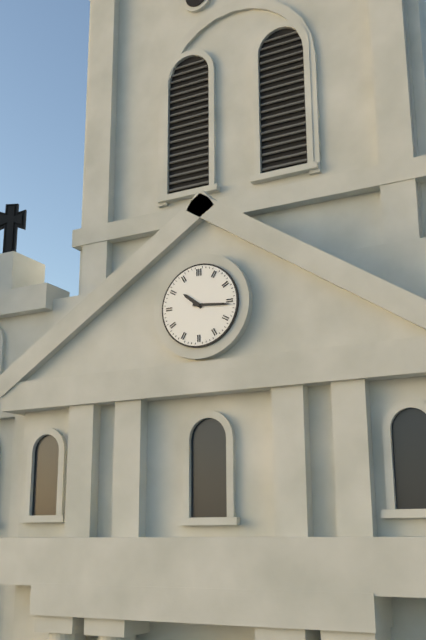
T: 10 h 16 min
